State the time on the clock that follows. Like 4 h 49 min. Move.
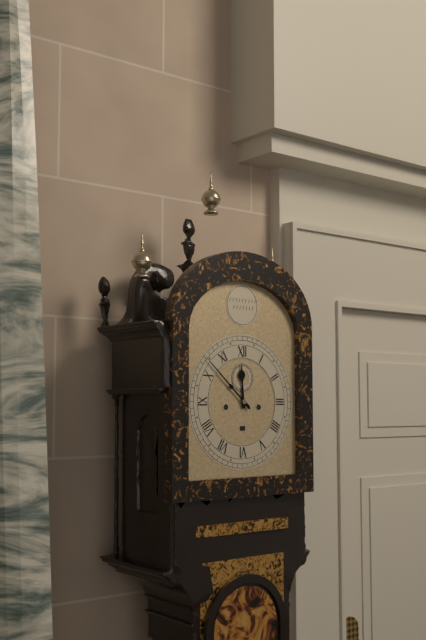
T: 11 h 52 min
